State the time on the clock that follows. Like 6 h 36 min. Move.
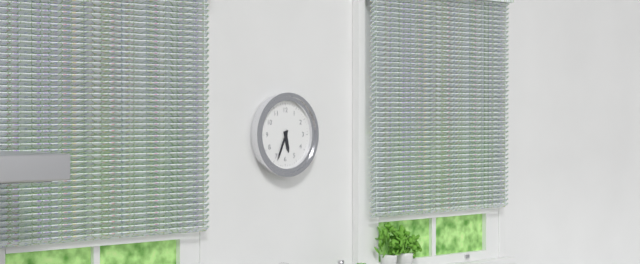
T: 5 h 34 min
